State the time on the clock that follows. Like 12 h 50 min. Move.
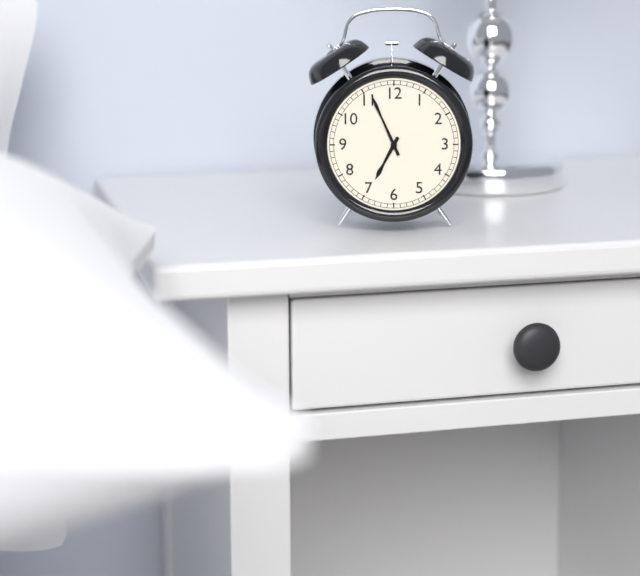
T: 6 h 56 min
